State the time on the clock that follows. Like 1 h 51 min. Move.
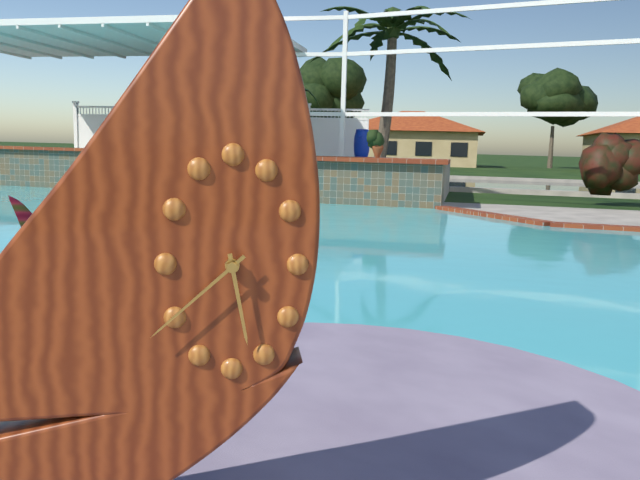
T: 5 h 38 min
